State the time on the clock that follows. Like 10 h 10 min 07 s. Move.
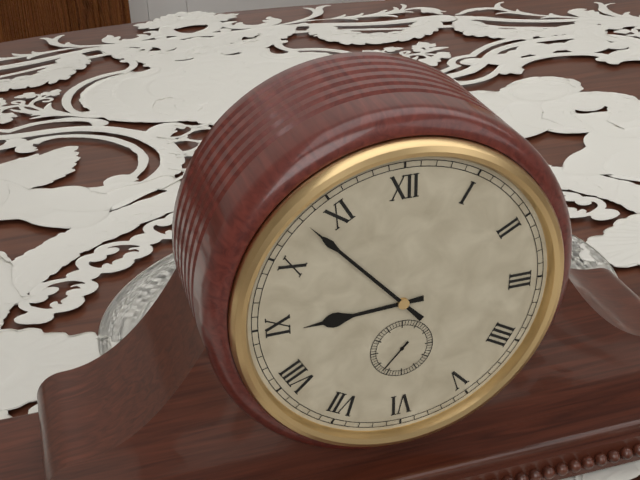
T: 8 h 53 min 37 s
